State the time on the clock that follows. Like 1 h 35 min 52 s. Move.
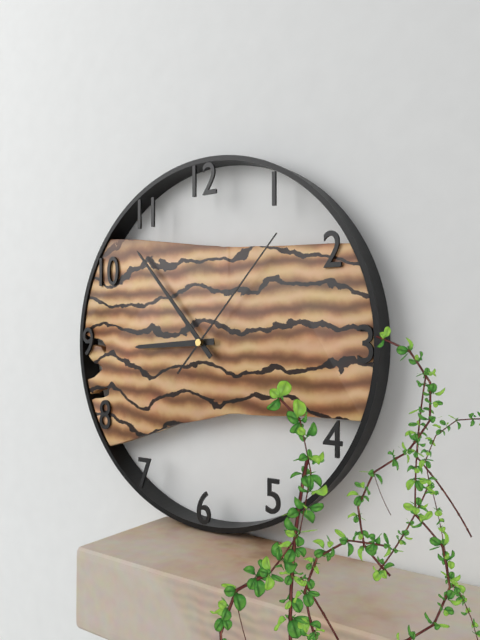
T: 8 h 53 min 07 s
